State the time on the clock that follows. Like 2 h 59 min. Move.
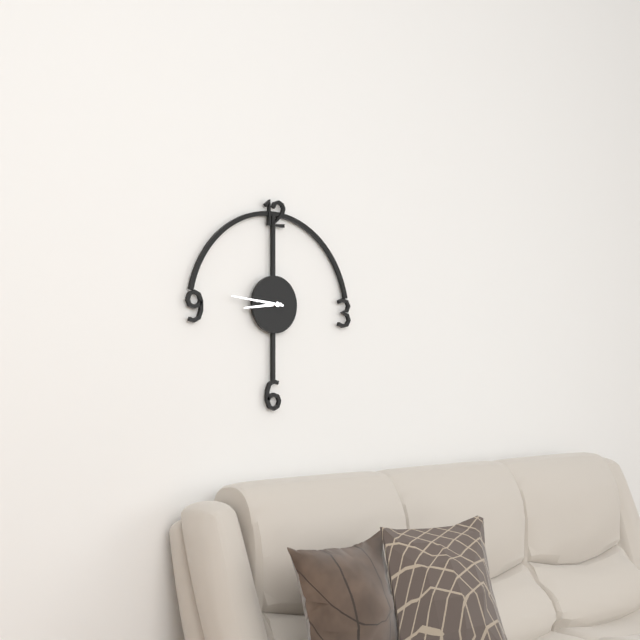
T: 8 h 46 min
